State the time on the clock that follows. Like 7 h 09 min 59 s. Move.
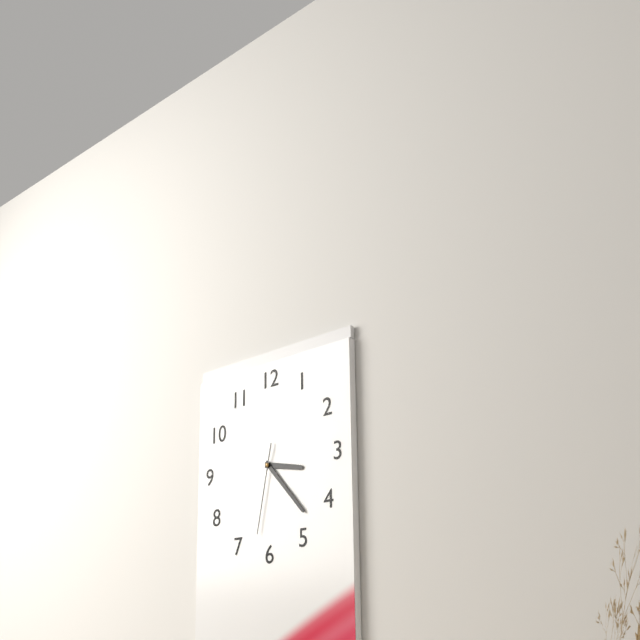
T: 3 h 23 min 32 s
